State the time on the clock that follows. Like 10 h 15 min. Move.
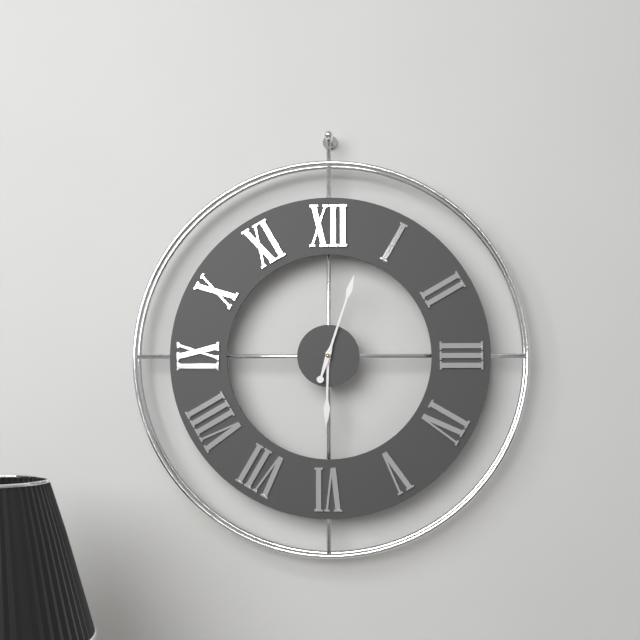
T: 6 h 03 min
